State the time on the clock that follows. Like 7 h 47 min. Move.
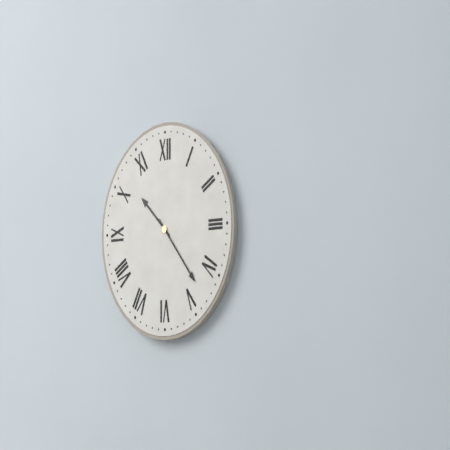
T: 10 h 23 min
